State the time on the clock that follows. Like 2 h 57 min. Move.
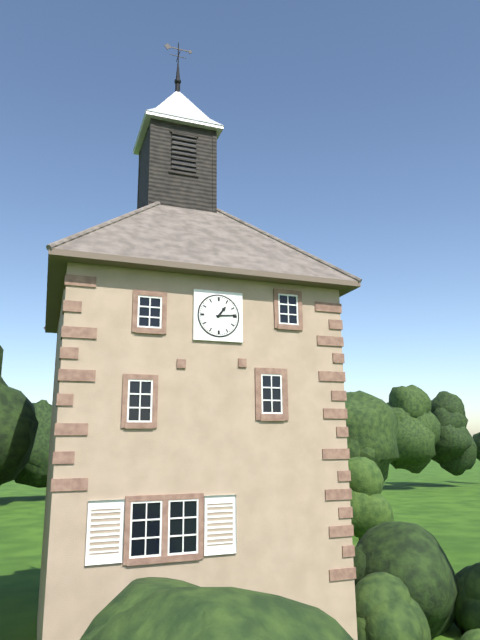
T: 1 h 14 min
